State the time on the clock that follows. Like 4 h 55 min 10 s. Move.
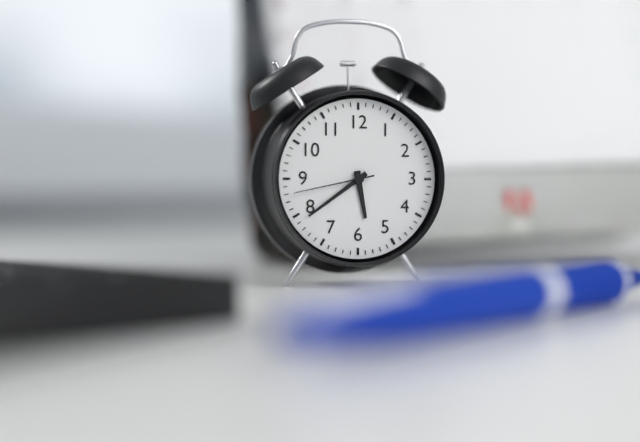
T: 5 h 39 min 43 s
